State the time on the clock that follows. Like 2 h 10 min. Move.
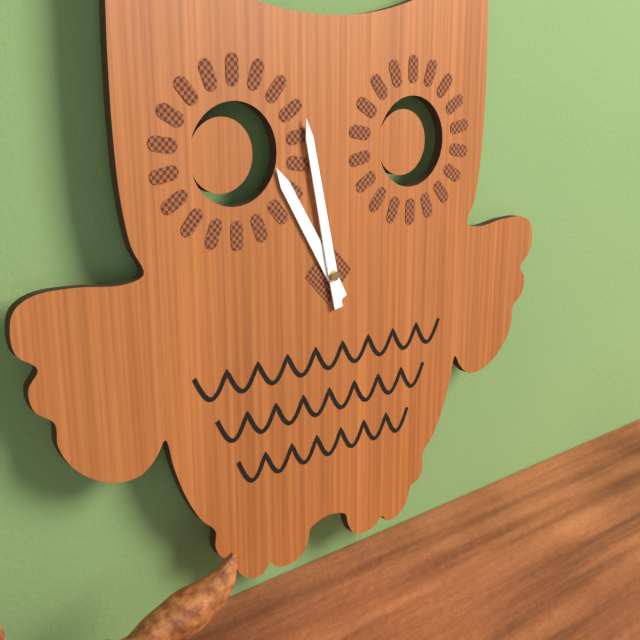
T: 10 h 58 min
